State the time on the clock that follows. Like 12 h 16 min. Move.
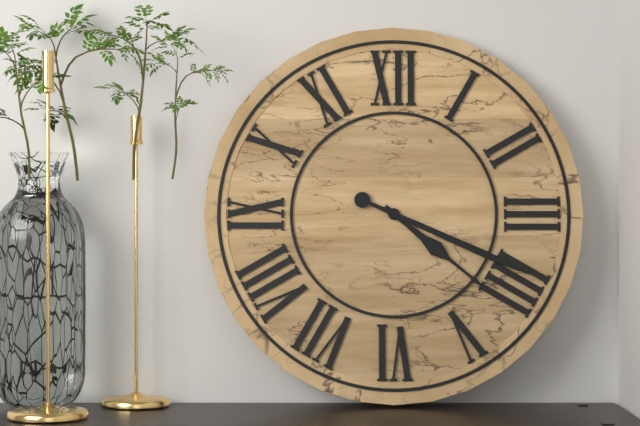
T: 4 h 19 min
